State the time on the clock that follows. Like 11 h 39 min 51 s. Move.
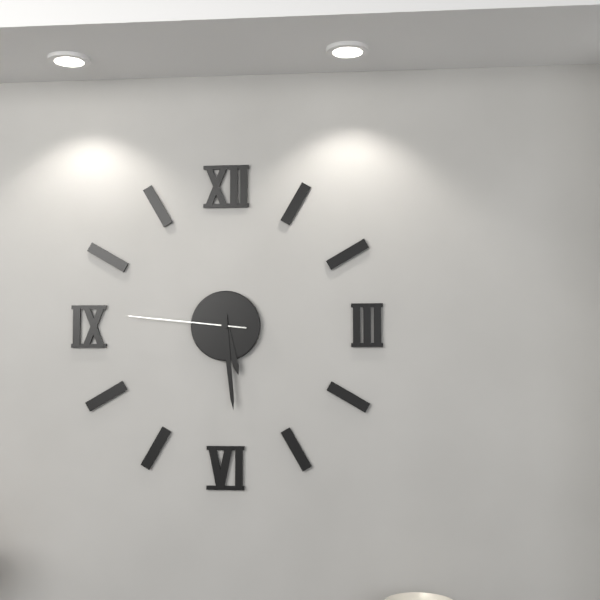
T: 5 h 29 min 46 s
